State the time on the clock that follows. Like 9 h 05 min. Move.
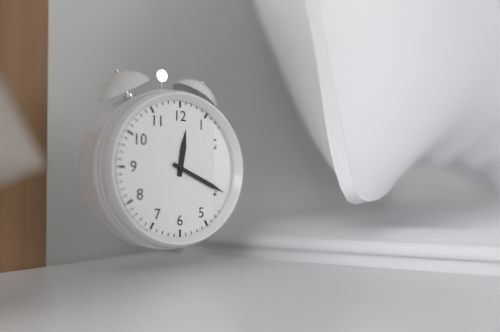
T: 12 h 19 min
